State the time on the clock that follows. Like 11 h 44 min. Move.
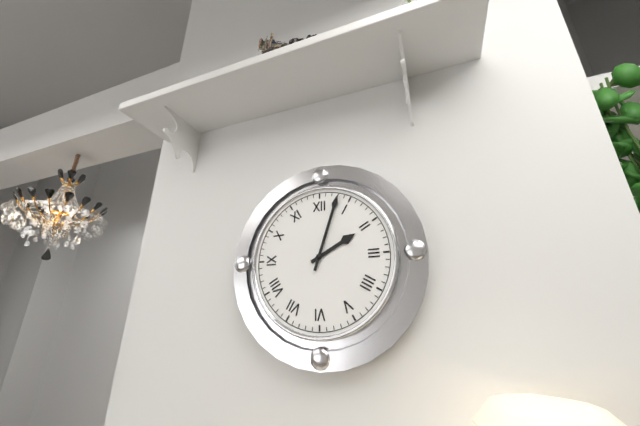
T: 2 h 03 min
